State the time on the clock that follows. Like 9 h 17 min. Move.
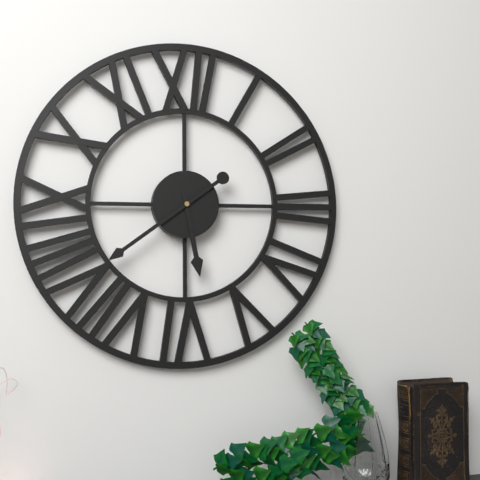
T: 5 h 39 min
